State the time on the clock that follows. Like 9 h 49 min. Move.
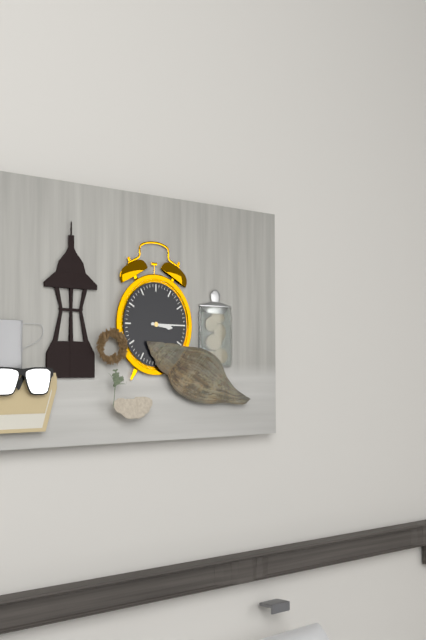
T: 3 h 15 min
